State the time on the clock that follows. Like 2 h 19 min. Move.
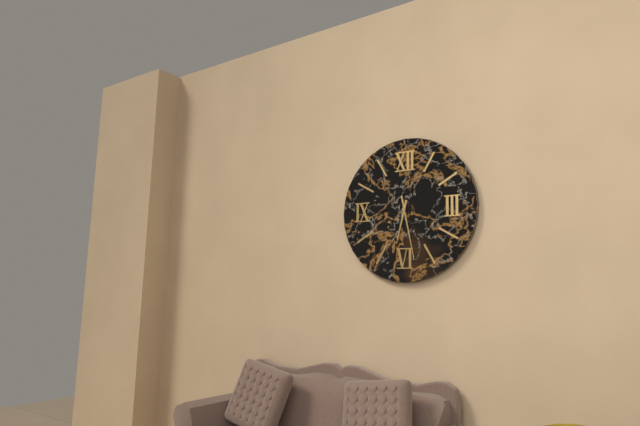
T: 6 h 28 min
